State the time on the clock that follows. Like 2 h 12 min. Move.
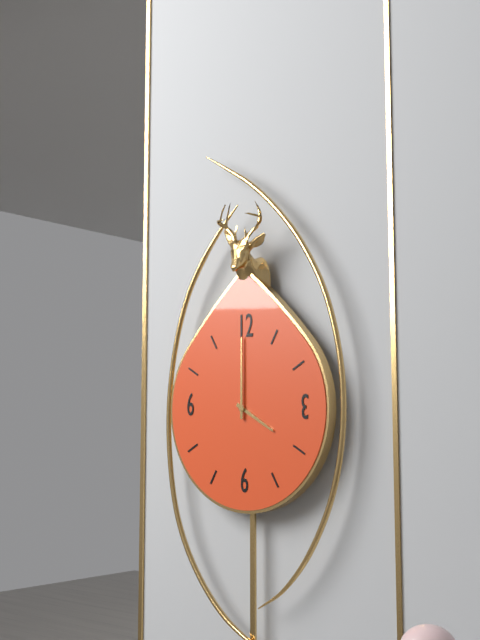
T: 4 h 00 min
